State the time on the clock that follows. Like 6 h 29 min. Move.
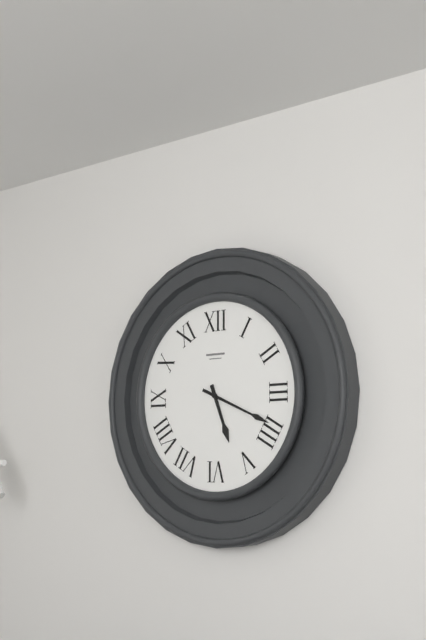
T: 5 h 19 min
